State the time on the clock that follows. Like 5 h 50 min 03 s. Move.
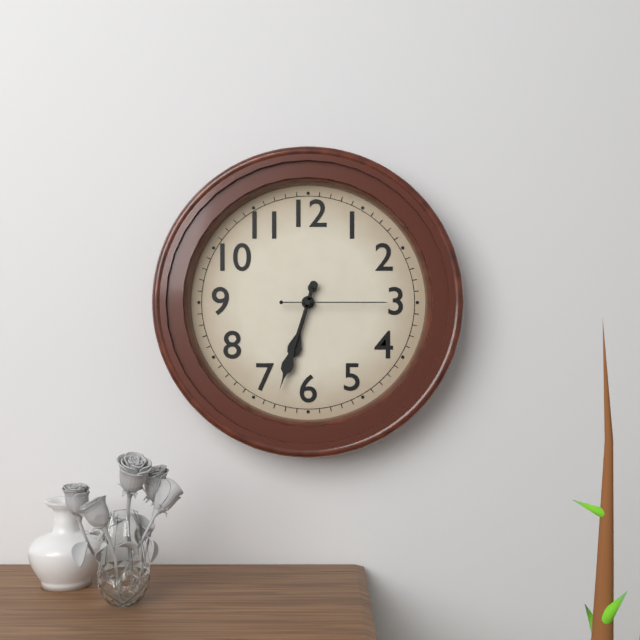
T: 6 h 33 min 15 s
